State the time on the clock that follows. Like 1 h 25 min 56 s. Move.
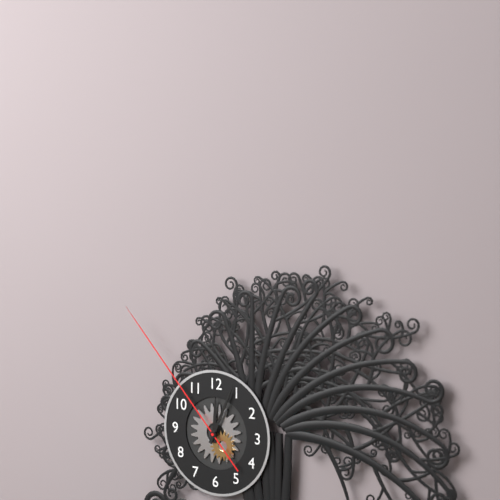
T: 12 h 04 min 53 s
